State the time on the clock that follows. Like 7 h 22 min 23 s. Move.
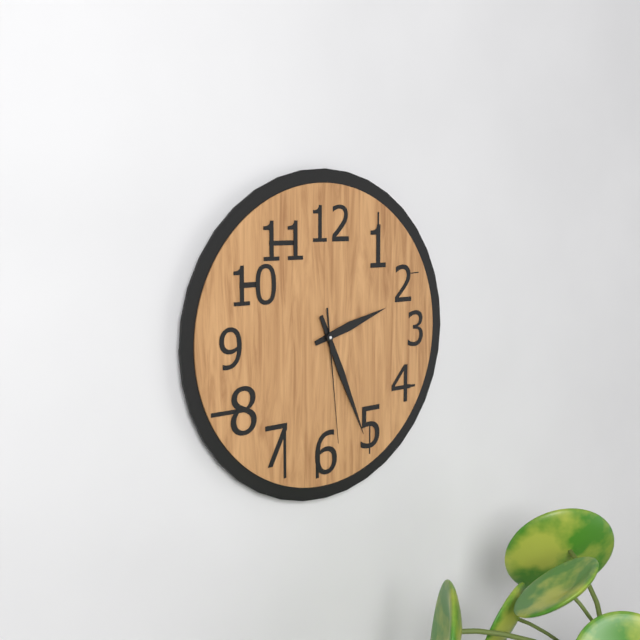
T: 2 h 26 min 29 s
